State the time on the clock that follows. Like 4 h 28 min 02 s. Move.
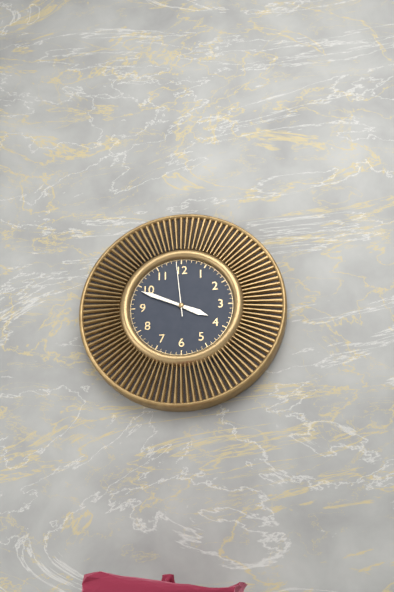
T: 3 h 49 min 59 s
